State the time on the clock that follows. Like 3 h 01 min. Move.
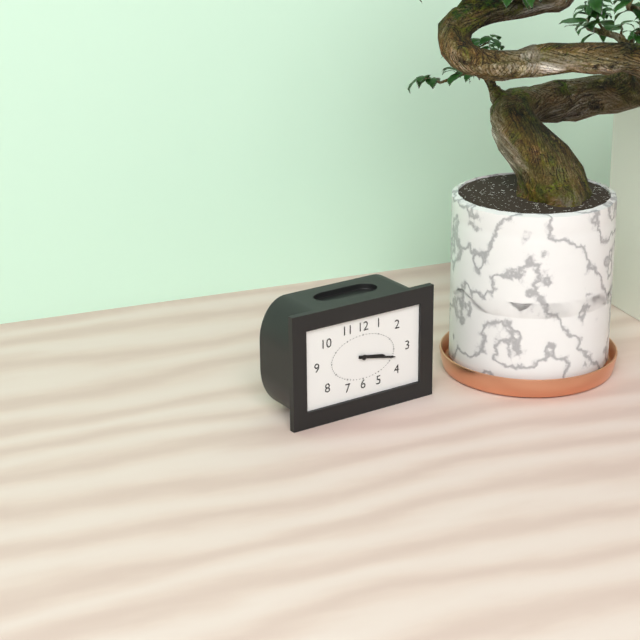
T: 3 h 17 min
